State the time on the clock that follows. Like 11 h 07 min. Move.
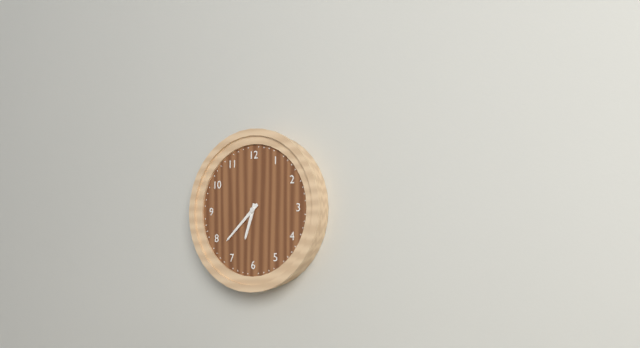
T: 6 h 38 min
